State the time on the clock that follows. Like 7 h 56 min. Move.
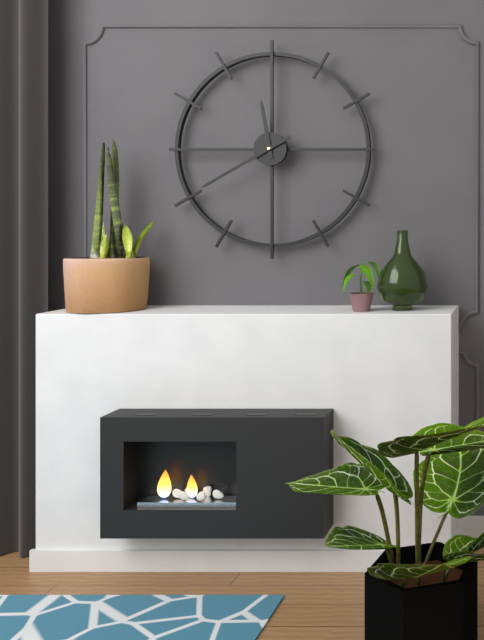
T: 11 h 40 min
